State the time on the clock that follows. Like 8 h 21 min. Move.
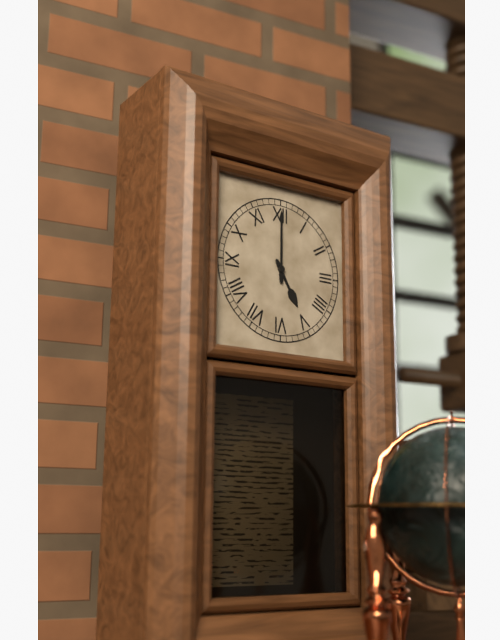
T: 5 h 00 min
